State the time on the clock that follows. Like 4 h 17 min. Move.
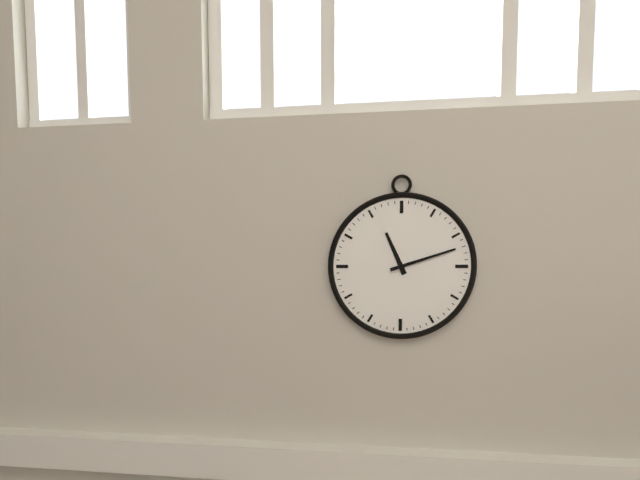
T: 11 h 12 min
